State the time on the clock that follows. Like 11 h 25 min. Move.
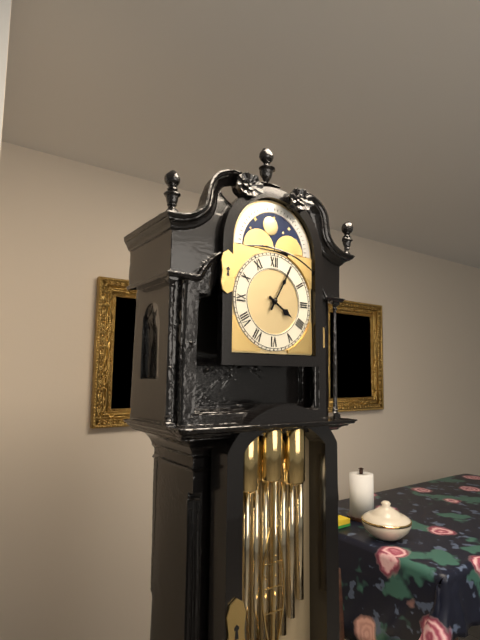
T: 4 h 05 min
